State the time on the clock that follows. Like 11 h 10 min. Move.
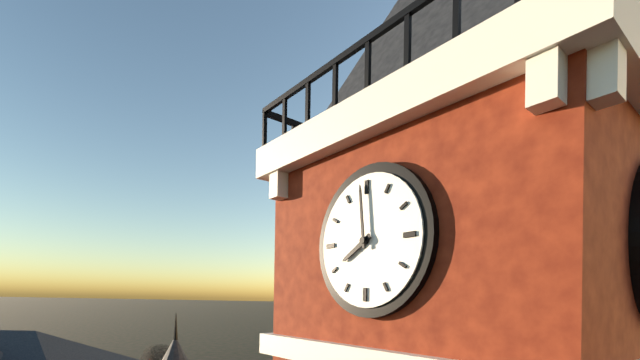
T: 7 h 59 min
